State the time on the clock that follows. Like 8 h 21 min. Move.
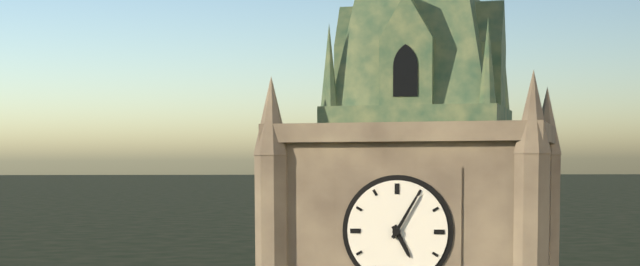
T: 5 h 05 min
